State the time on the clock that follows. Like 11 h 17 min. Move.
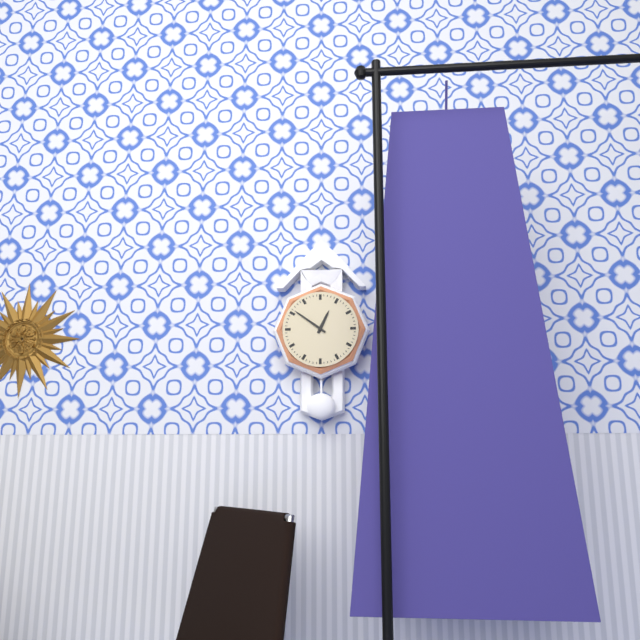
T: 12 h 51 min
